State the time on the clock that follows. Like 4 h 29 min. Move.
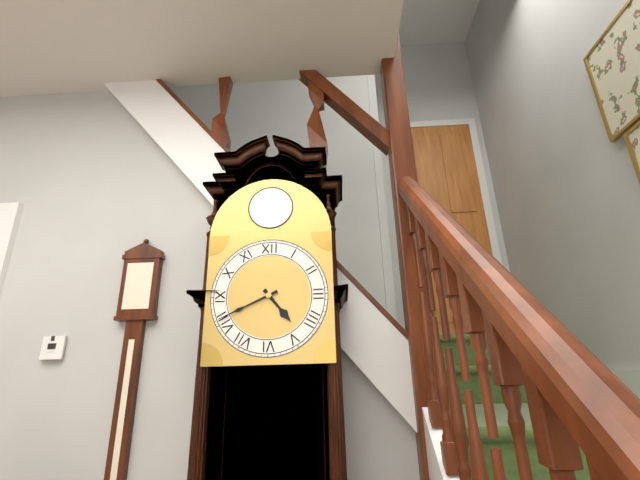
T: 4 h 41 min
